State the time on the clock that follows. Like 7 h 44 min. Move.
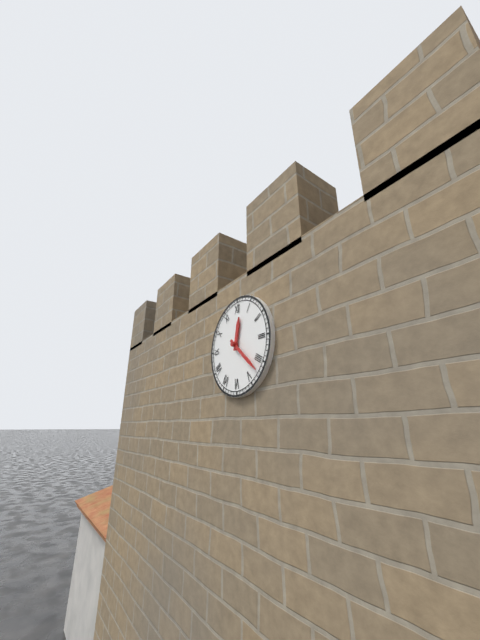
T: 12 h 22 min
